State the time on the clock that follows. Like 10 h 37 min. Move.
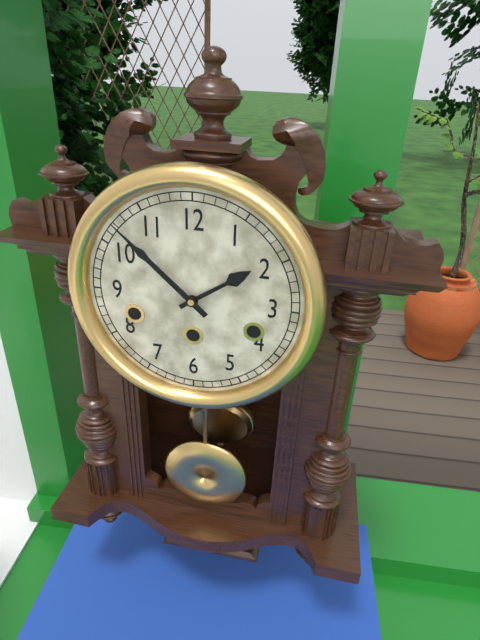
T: 1 h 52 min
